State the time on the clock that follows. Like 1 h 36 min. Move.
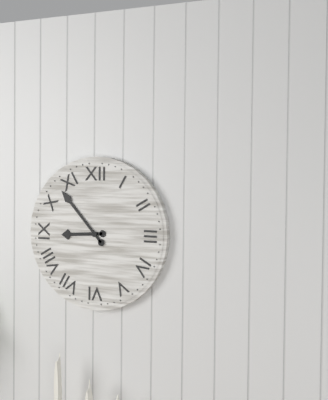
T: 8 h 53 min
